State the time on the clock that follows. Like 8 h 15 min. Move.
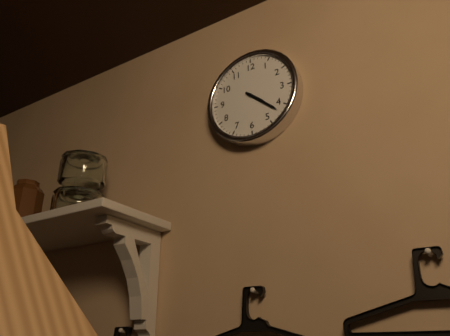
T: 4 h 22 min
